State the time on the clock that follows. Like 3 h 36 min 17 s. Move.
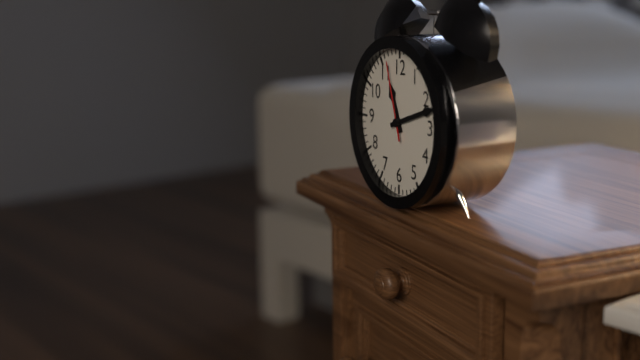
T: 11 h 12 min 57 s
